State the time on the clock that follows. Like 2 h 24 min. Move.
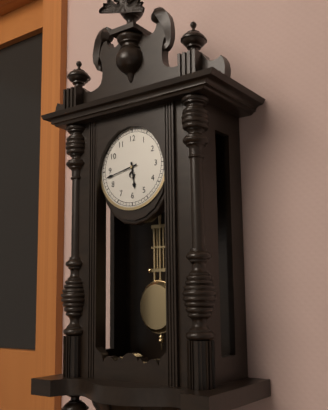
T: 5 h 43 min
